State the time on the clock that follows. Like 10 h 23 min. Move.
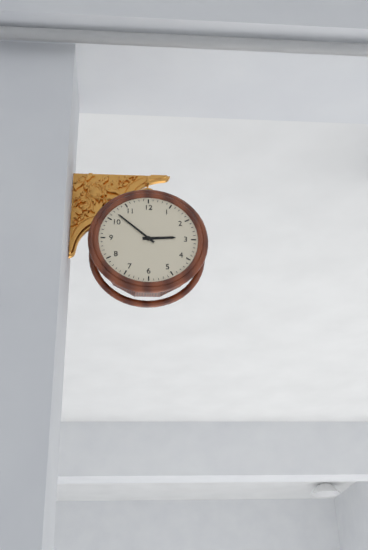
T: 2 h 52 min
